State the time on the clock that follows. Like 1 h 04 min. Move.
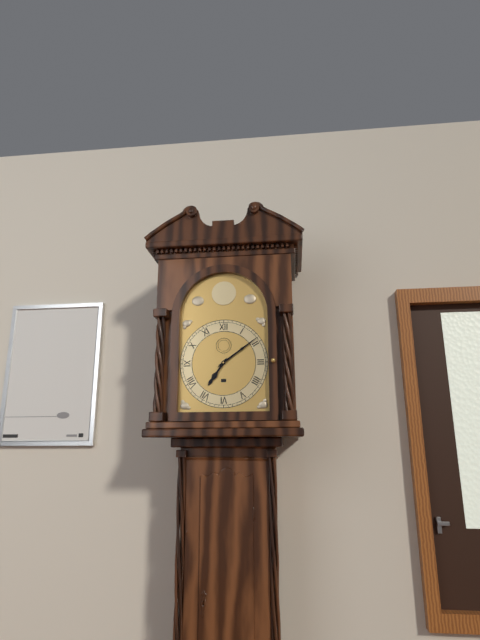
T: 7 h 09 min
